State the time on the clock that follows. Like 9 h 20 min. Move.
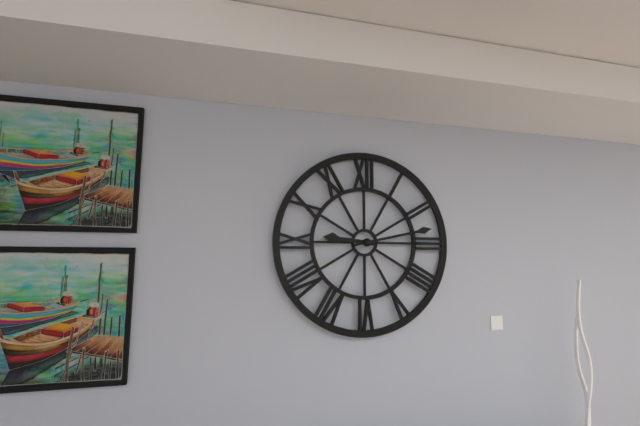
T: 9 h 13 min
